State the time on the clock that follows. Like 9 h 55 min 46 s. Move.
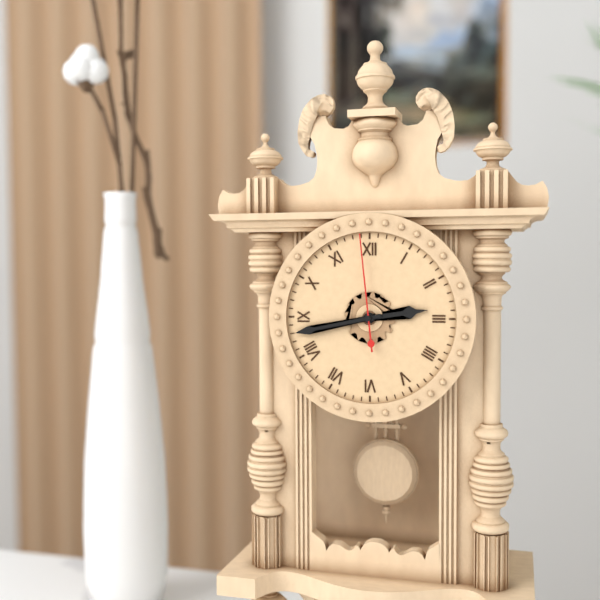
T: 2 h 43 min 59 s
